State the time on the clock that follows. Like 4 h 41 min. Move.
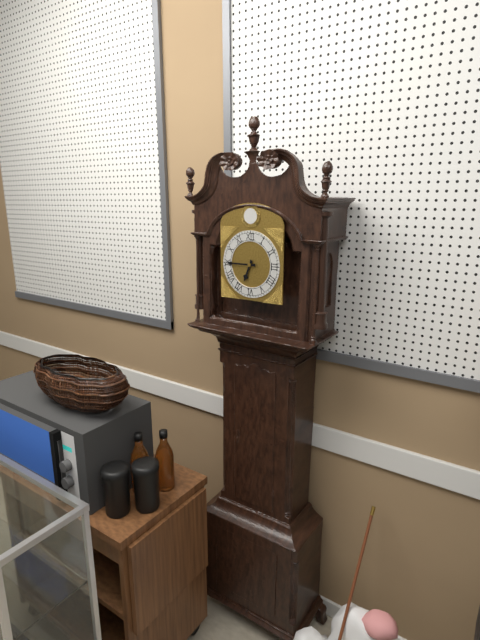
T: 6 h 45 min
